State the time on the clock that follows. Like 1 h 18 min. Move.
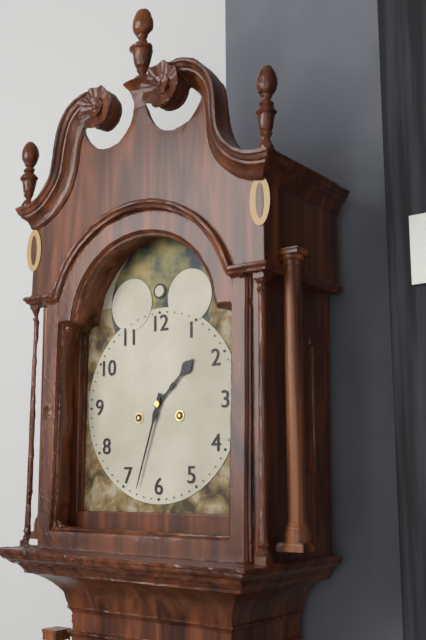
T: 1 h 33 min
